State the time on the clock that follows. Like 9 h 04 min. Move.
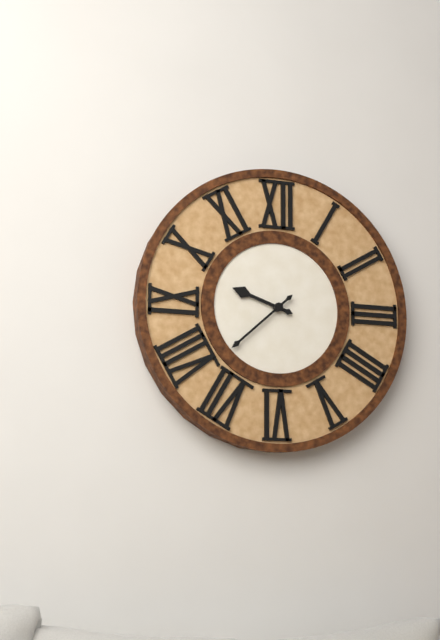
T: 9 h 38 min
